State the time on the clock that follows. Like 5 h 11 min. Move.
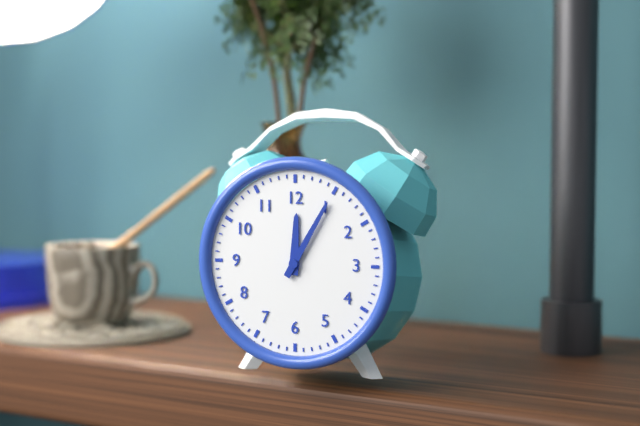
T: 12 h 05 min
